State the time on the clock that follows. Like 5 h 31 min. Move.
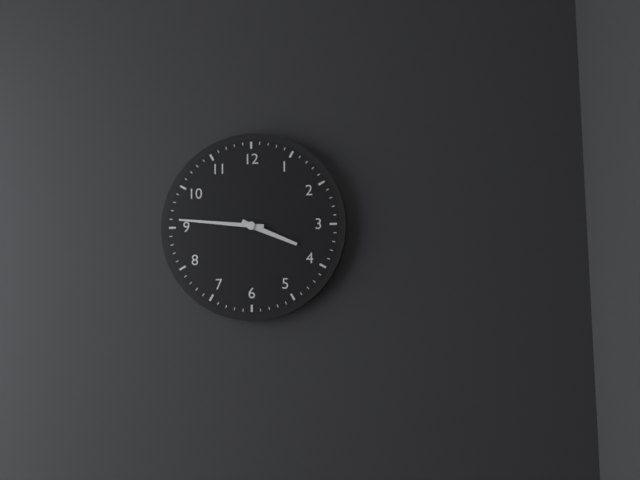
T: 3 h 46 min
